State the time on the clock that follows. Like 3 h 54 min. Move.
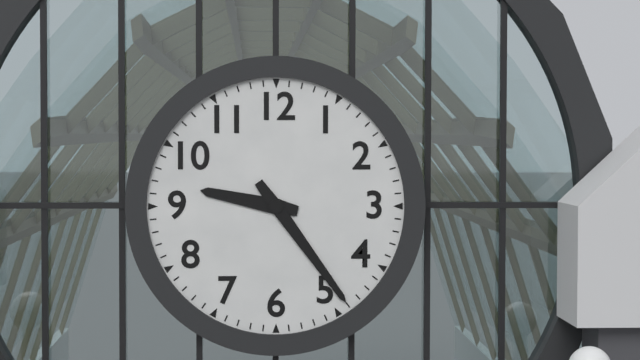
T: 9 h 24 min
